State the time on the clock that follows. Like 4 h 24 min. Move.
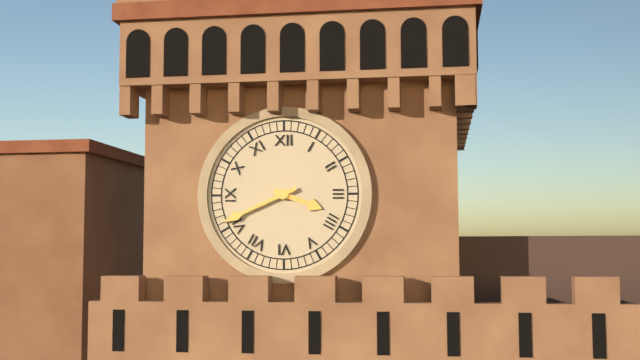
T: 3 h 41 min
